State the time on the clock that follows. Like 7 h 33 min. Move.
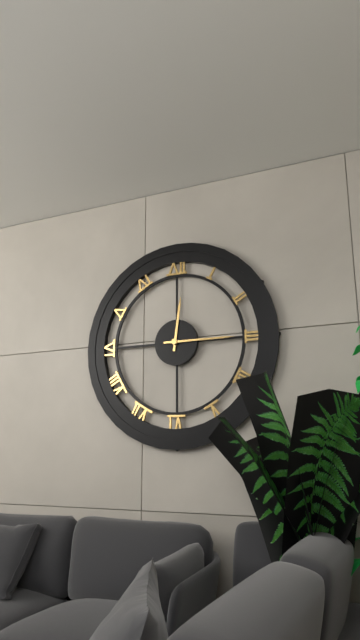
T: 12 h 15 min
